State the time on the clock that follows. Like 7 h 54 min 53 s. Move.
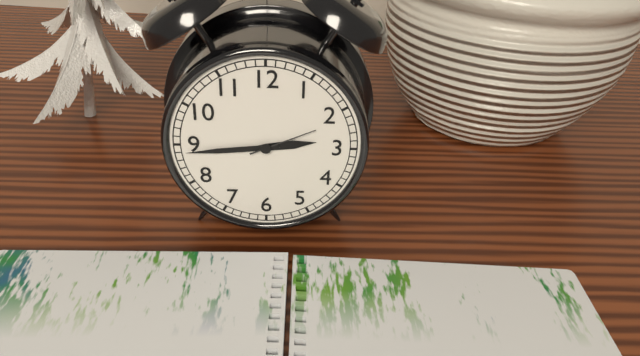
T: 2 h 44 min 11 s
